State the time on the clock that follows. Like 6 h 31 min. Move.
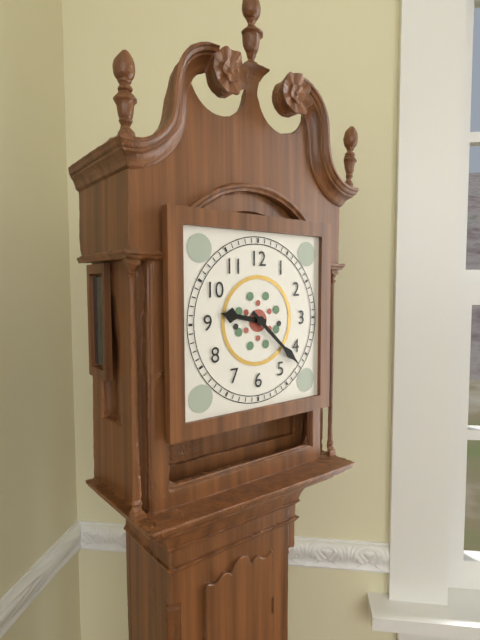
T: 9 h 22 min
